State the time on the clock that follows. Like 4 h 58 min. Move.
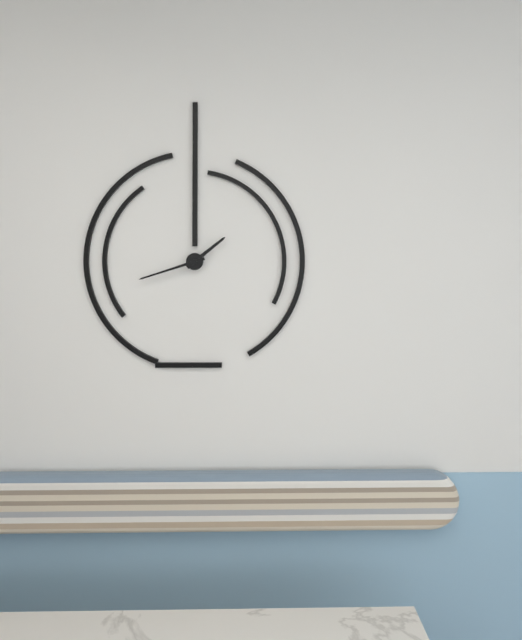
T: 1 h 42 min
